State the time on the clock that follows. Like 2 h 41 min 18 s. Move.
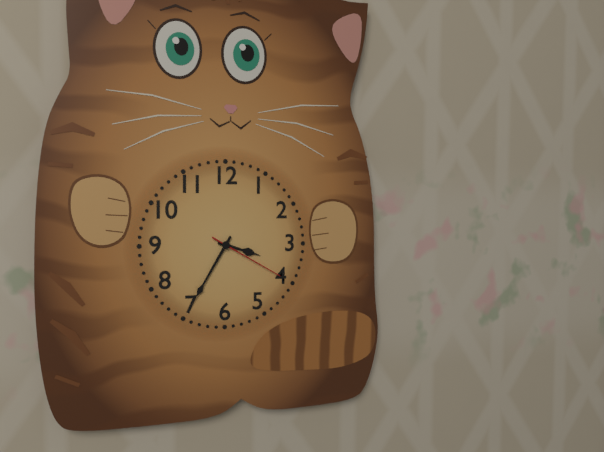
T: 3 h 35 min 20 s
